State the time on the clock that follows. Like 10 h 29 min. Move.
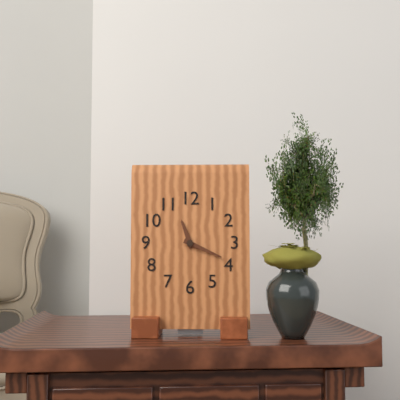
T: 11 h 19 min
